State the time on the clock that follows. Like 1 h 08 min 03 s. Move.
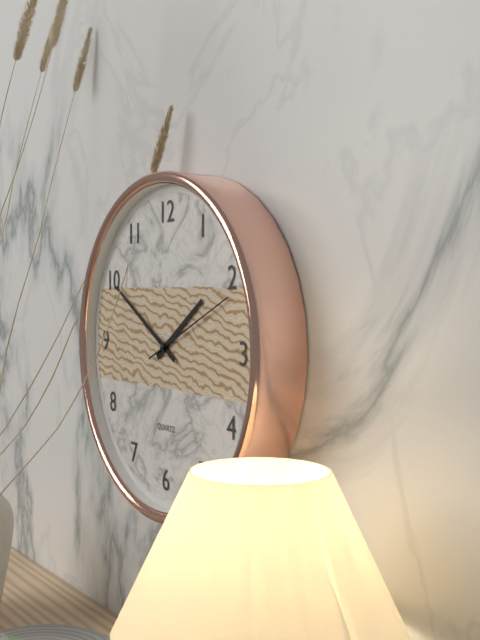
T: 1 h 50 min 11 s
